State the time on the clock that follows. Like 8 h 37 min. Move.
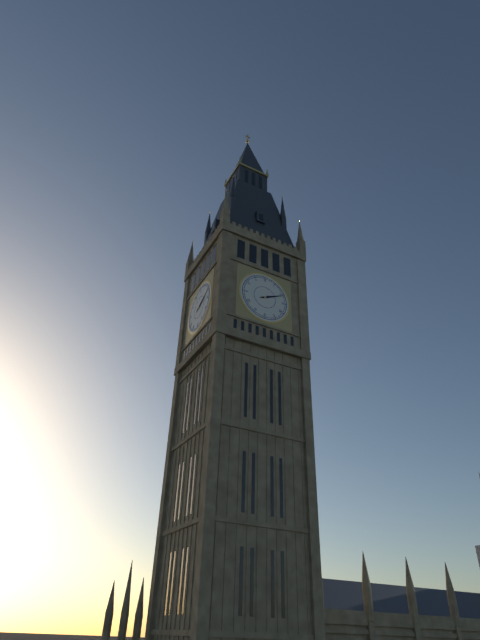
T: 2 h 11 min
